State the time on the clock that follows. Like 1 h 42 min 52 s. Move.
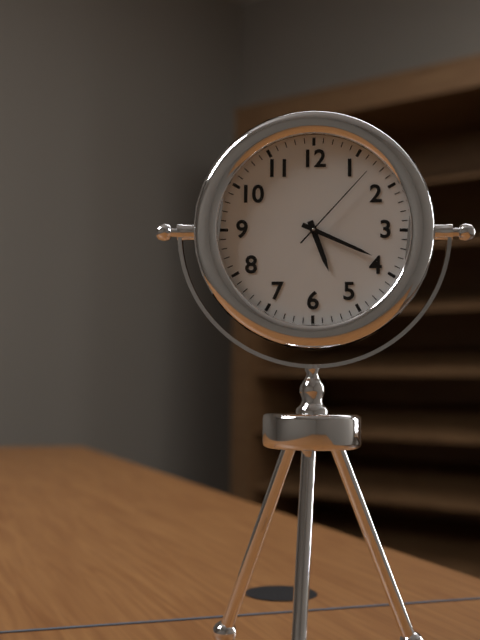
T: 5 h 19 min 07 s
